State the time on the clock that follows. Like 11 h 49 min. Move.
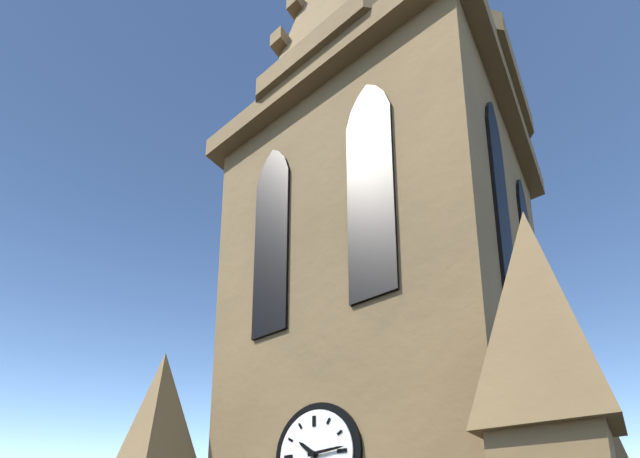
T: 10 h 14 min
